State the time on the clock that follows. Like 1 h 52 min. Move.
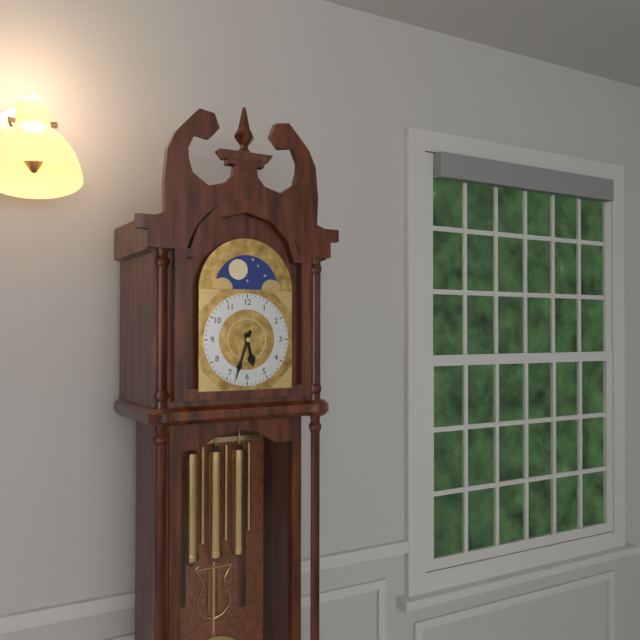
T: 5 h 33 min
